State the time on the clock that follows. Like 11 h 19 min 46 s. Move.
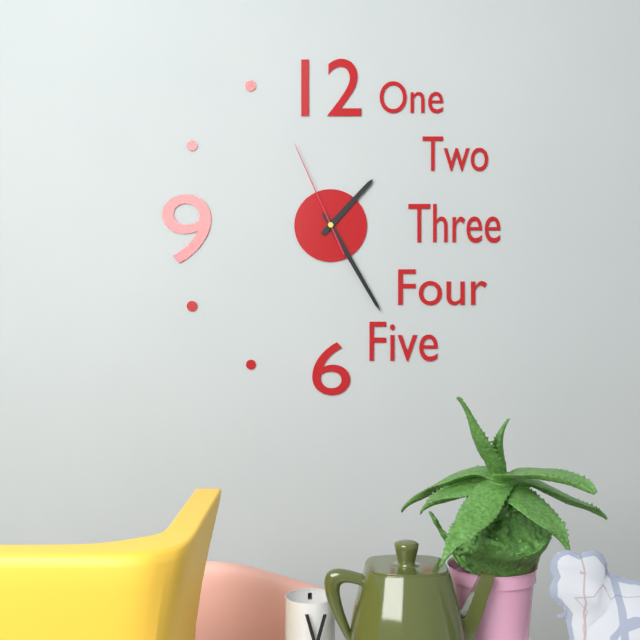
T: 1 h 25 min 56 s
